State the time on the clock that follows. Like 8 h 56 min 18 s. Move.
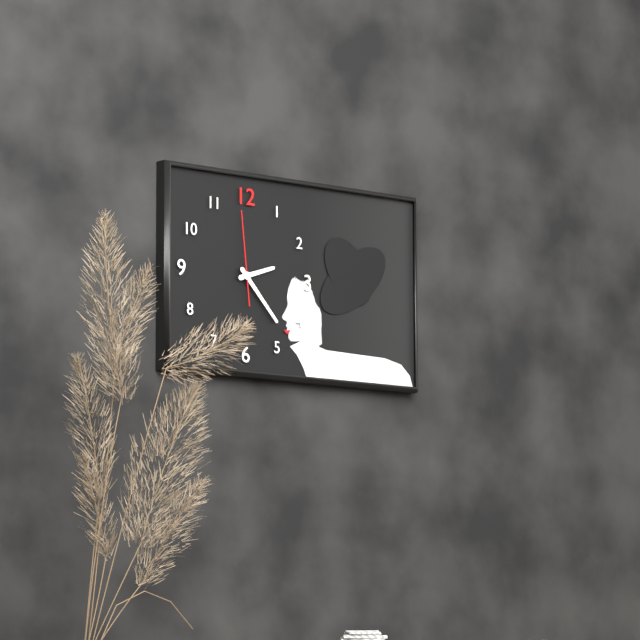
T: 2 h 23 min 59 s
